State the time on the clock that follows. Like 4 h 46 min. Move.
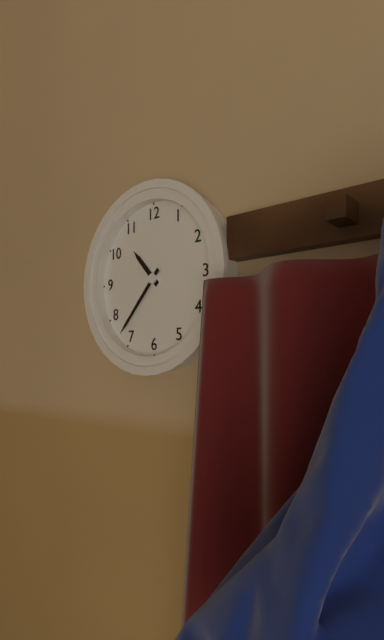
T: 10 h 37 min
